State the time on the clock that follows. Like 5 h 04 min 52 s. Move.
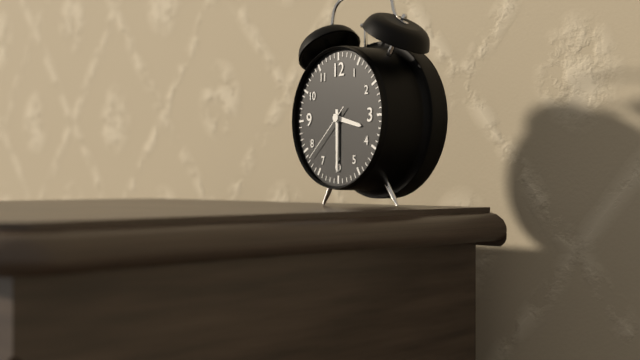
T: 3 h 30 min 38 s
